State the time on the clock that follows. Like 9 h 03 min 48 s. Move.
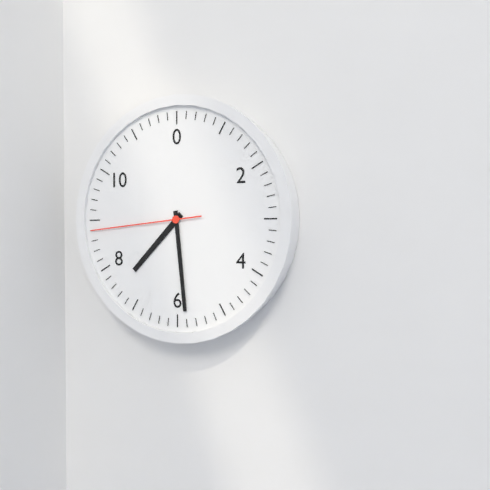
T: 7 h 29 min 44 s
